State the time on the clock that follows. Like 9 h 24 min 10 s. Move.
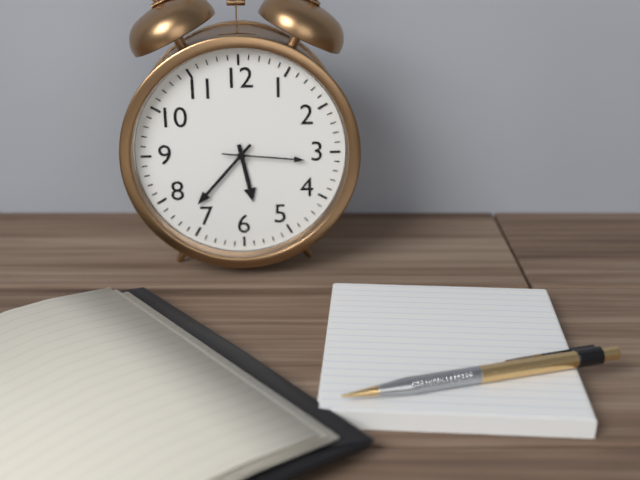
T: 5 h 37 min 16 s
